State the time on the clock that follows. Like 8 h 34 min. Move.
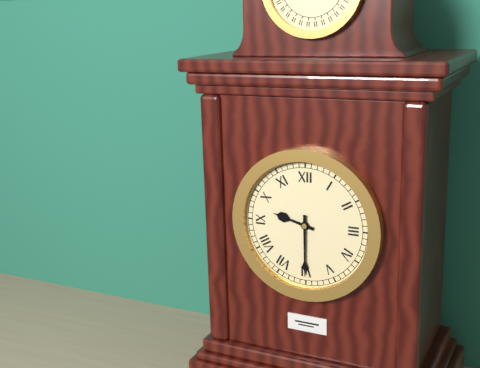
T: 9 h 30 min
